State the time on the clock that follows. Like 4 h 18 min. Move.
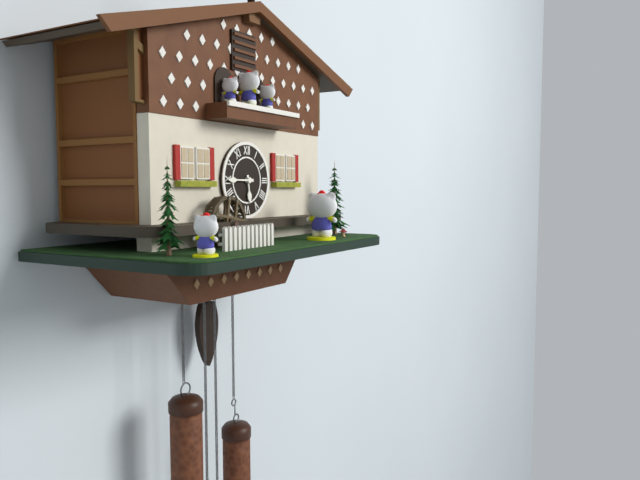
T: 5 h 45 min
